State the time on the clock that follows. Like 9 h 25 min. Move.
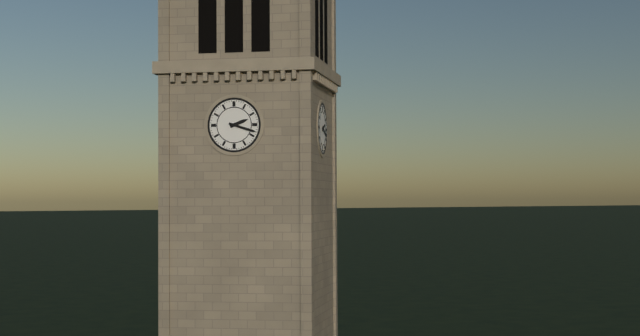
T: 2 h 18 min
